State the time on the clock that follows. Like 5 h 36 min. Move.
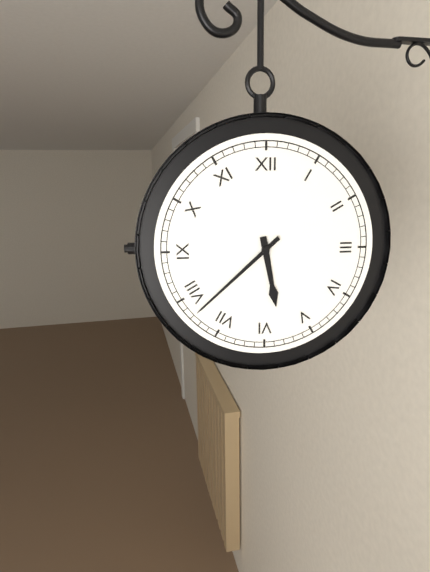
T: 5 h 38 min
